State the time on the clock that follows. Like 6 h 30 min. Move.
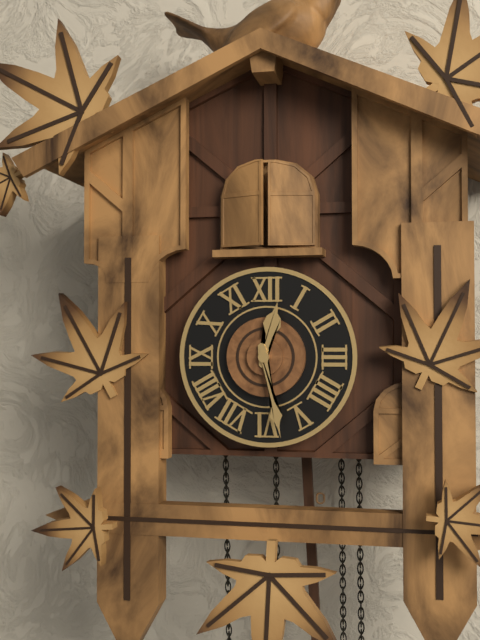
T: 12 h 28 min
